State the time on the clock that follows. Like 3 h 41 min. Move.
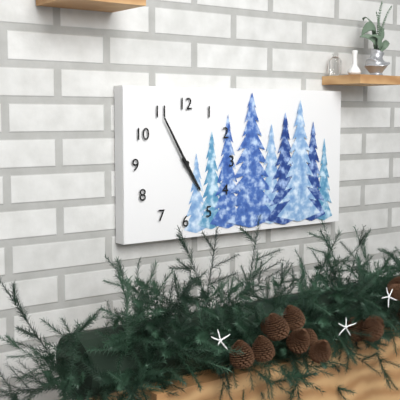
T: 4 h 55 min
